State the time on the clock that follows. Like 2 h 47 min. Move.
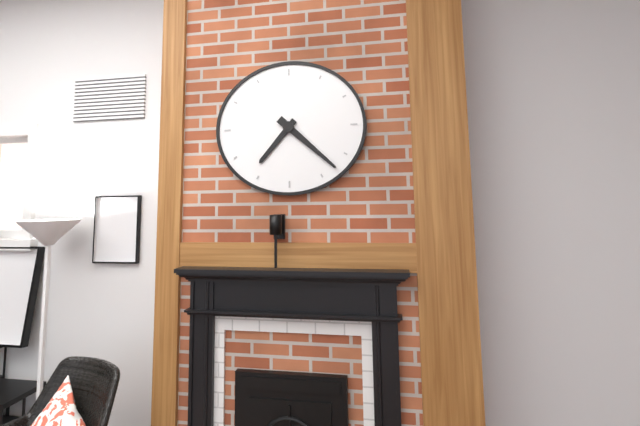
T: 7 h 22 min
